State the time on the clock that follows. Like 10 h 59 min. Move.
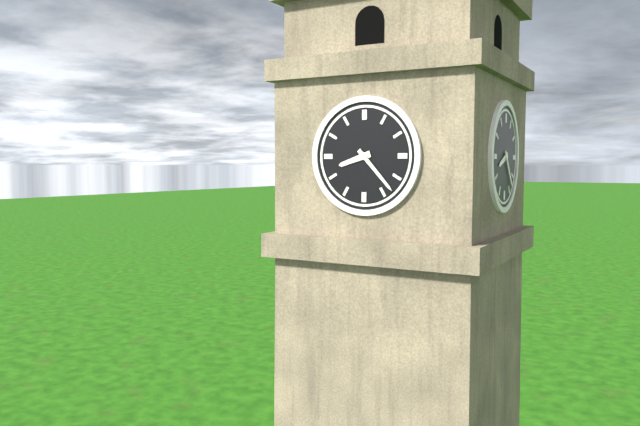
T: 8 h 23 min
